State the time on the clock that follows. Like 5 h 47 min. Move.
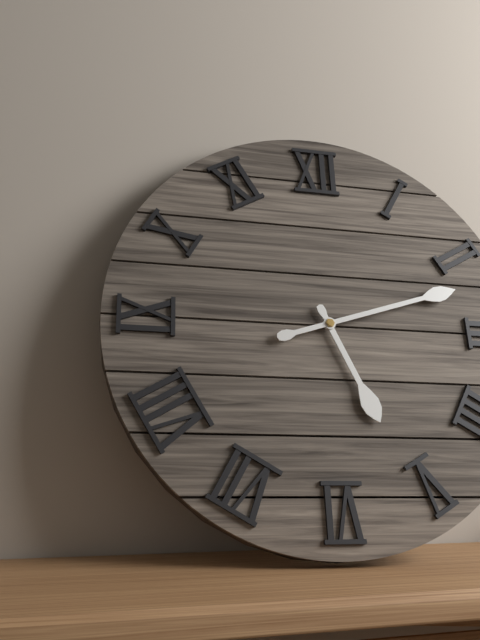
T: 5 h 12 min
